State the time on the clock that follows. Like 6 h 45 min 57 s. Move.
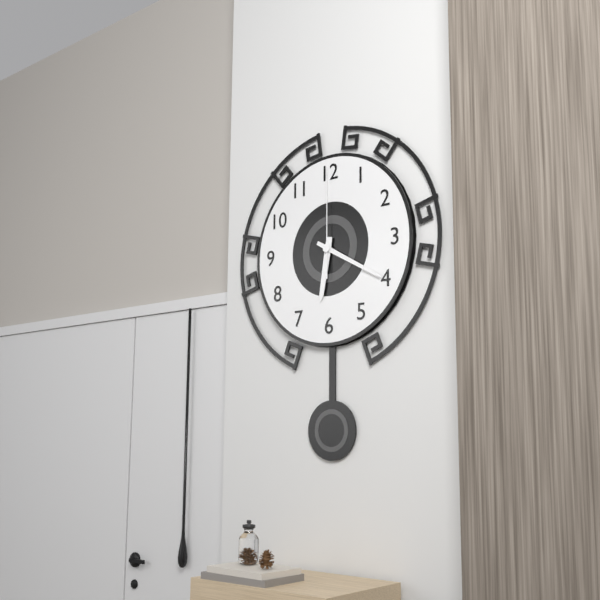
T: 6 h 20 min 00 s
